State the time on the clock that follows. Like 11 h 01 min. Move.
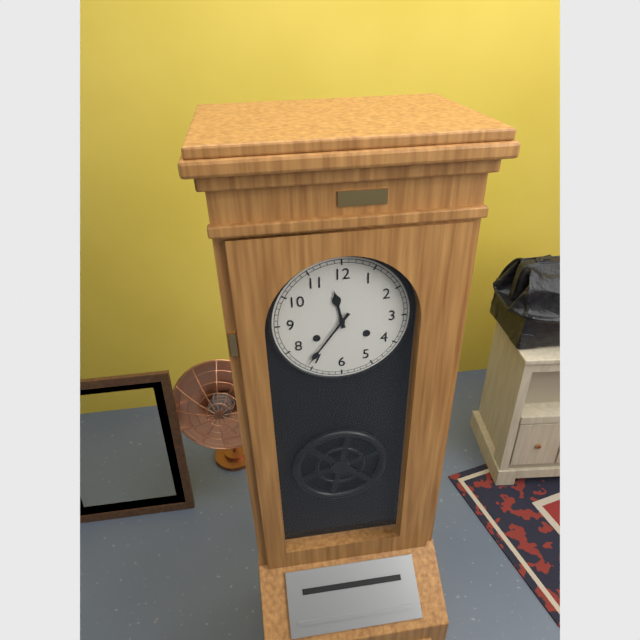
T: 11 h 36 min
